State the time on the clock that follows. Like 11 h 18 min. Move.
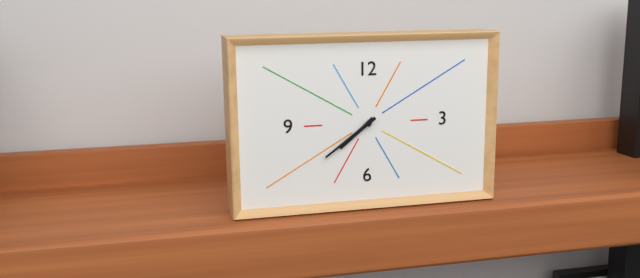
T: 7 h 39 min
